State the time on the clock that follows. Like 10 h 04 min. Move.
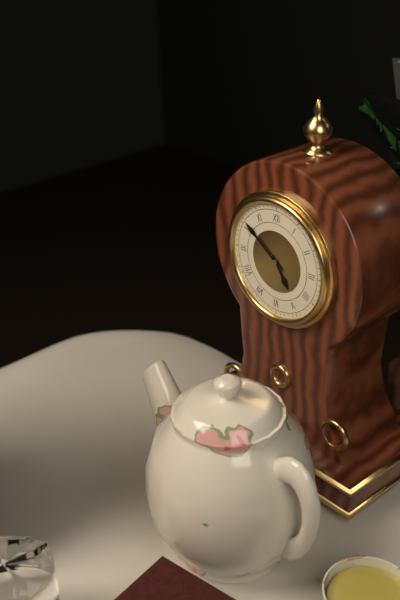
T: 4 h 51 min
